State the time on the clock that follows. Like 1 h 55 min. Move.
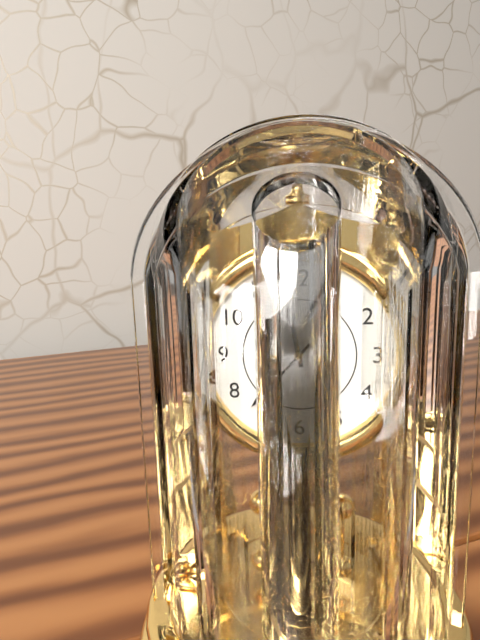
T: 11 h 37 min
